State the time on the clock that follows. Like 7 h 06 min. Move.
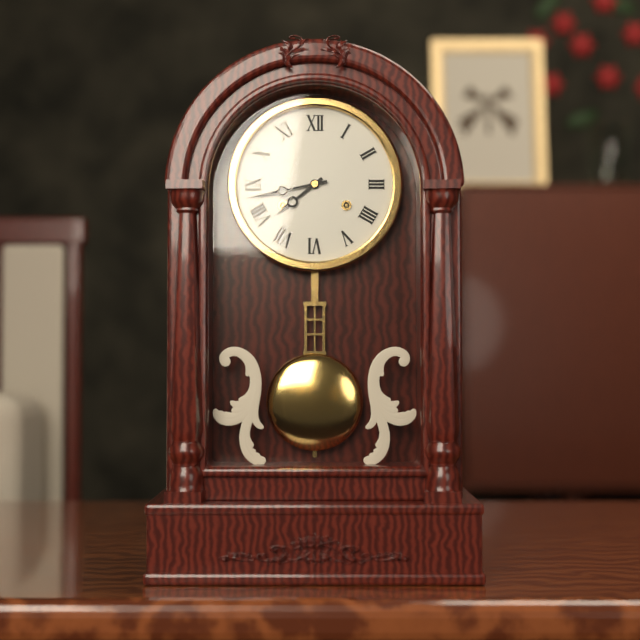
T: 7 h 43 min
